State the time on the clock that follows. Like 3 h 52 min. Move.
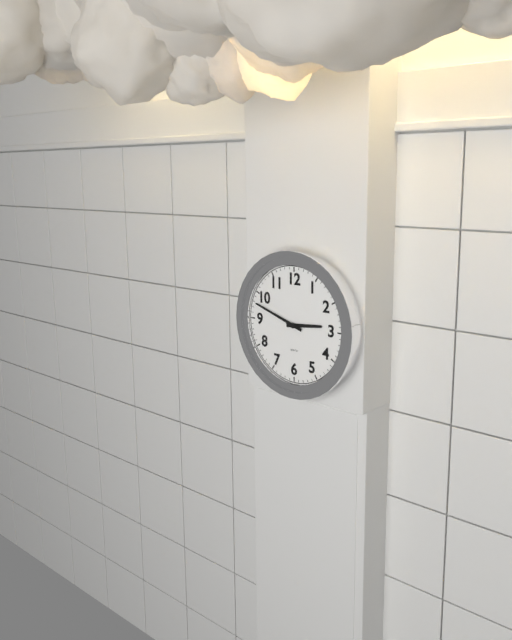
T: 2 h 48 min
